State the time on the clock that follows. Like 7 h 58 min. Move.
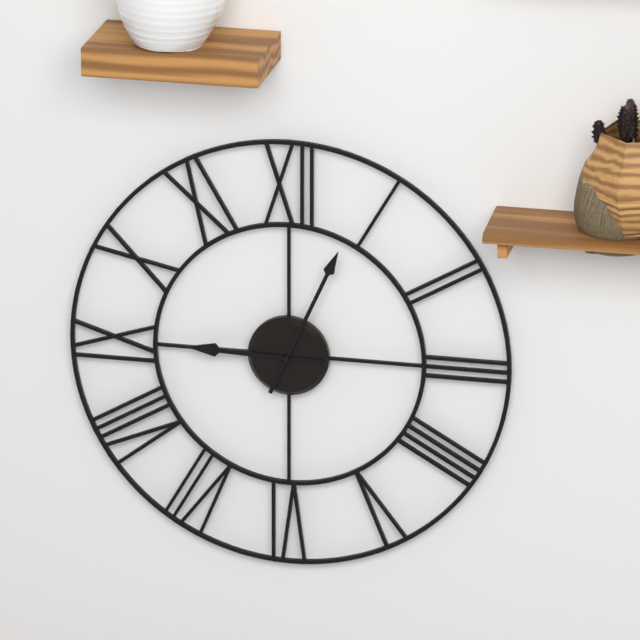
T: 9 h 04 min
